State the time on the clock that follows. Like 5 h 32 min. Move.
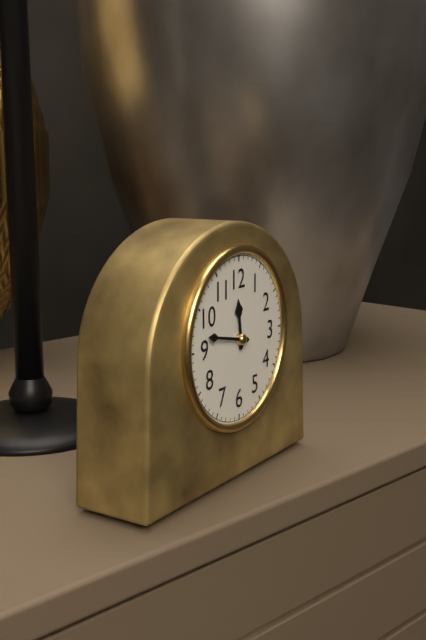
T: 11 h 47 min
